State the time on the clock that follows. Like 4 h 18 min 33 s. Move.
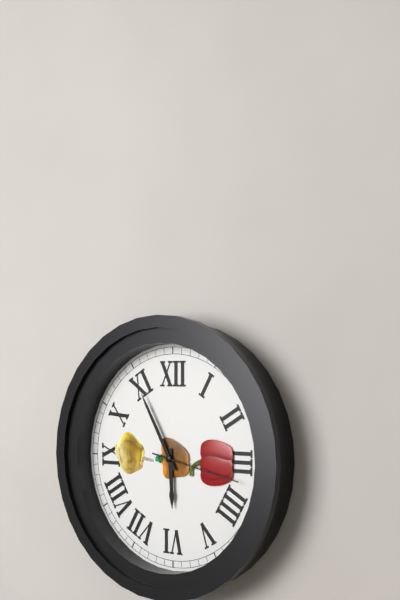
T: 5 h 55 min 17 s
